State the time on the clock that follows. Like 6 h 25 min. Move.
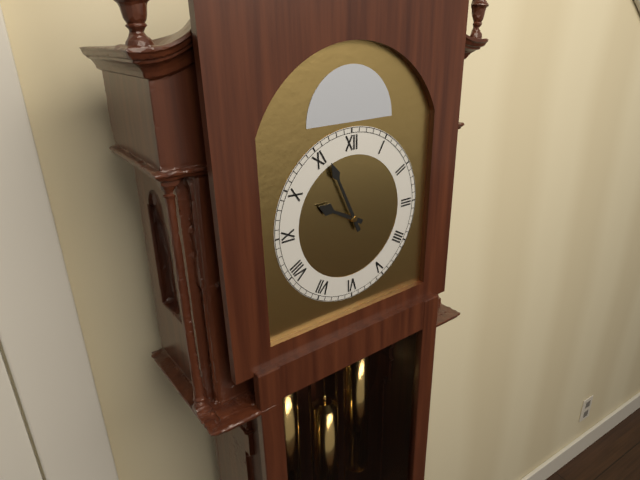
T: 9 h 56 min
